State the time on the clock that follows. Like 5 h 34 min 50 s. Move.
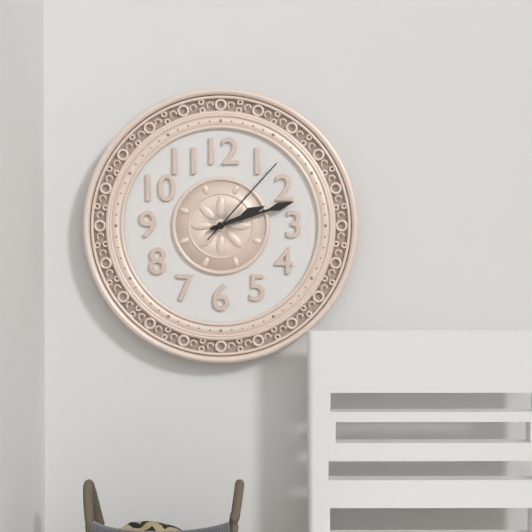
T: 2 h 12 min 07 s
